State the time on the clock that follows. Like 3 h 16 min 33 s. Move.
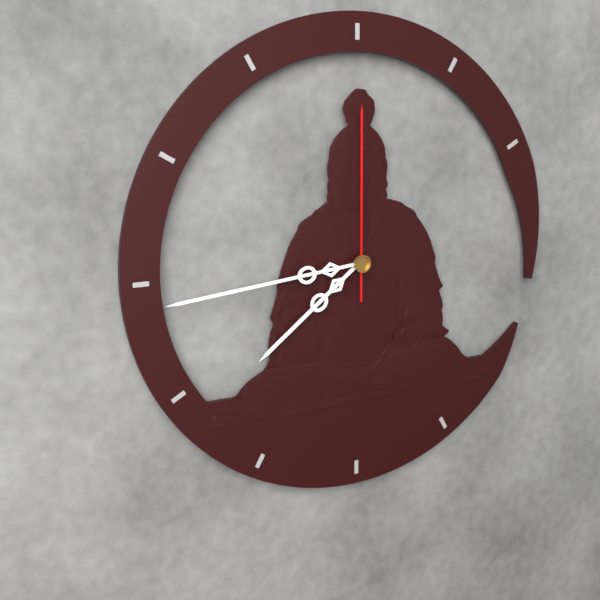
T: 7 h 44 min 00 s
